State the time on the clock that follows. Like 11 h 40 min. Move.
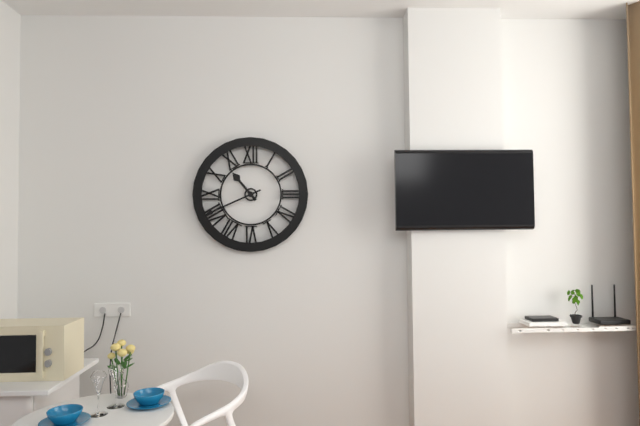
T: 10 h 41 min
